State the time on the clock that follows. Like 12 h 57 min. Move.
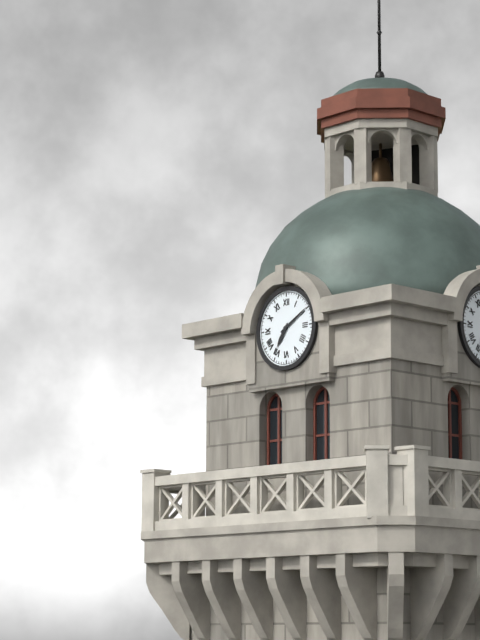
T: 7 h 10 min
